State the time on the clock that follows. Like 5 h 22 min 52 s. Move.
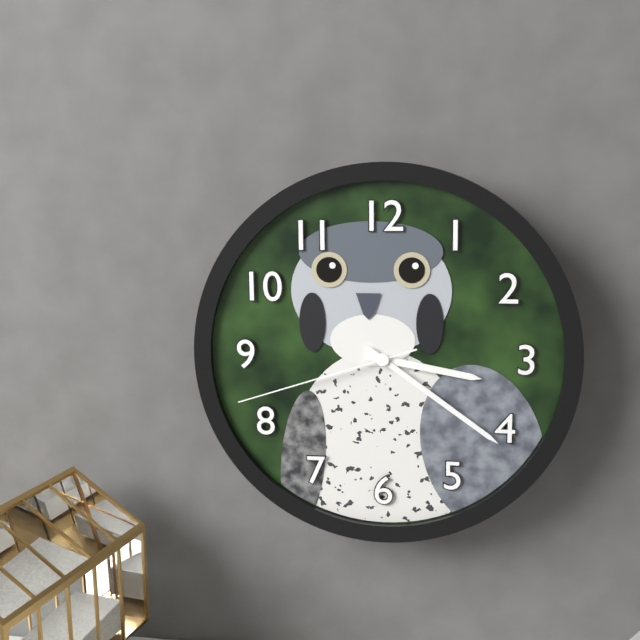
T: 3 h 21 min 42 s
